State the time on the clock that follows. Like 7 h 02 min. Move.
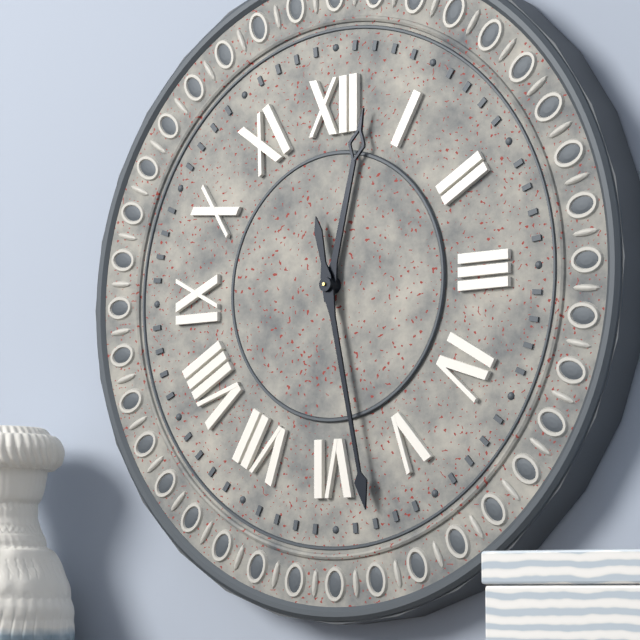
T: 12 h 28 min
